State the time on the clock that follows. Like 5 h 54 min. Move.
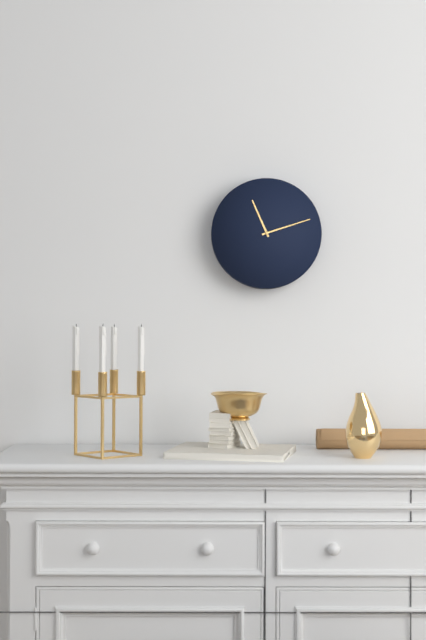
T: 11 h 12 min
